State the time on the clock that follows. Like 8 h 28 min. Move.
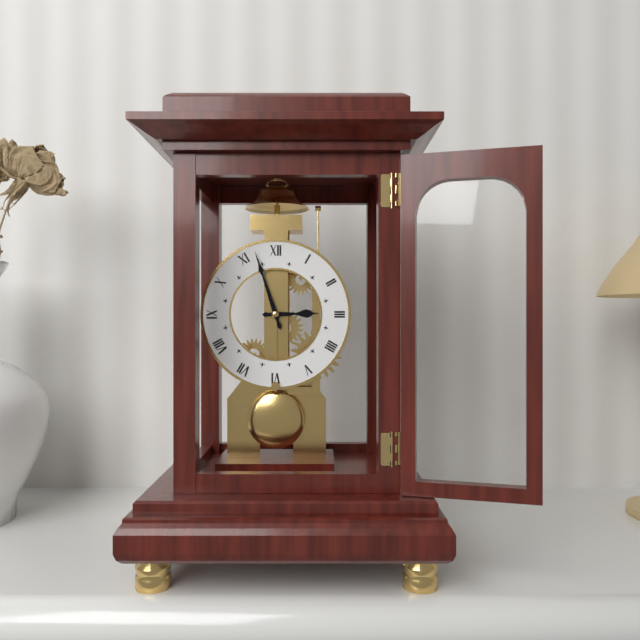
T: 2 h 57 min
